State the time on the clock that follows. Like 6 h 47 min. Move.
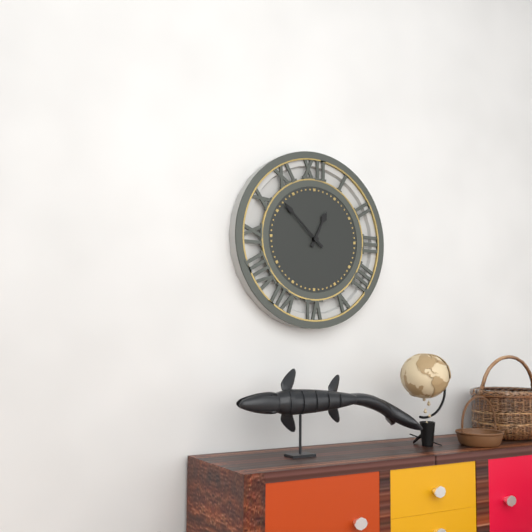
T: 12 h 52 min
